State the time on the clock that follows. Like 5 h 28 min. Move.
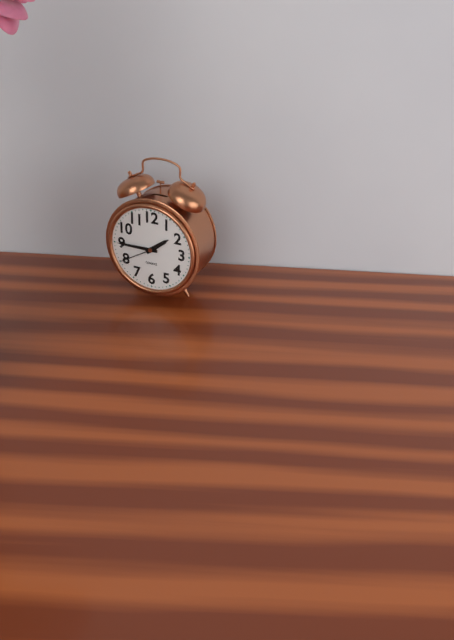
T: 1 h 45 min
